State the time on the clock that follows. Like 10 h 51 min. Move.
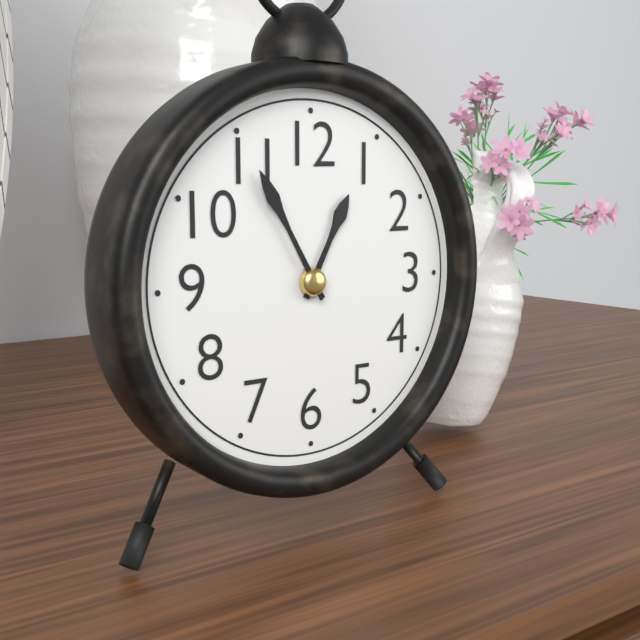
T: 12 h 55 min
